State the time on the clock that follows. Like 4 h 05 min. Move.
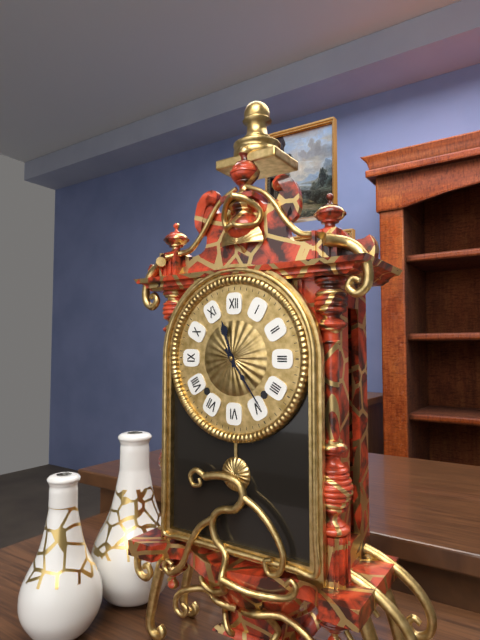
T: 11 h 24 min
